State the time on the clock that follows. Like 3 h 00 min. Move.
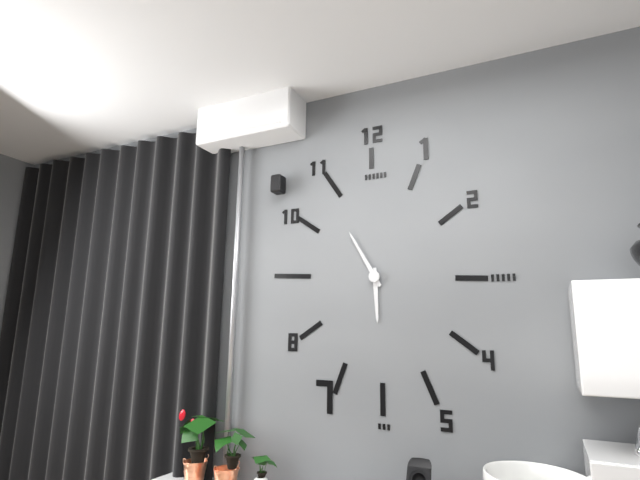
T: 5 h 55 min
